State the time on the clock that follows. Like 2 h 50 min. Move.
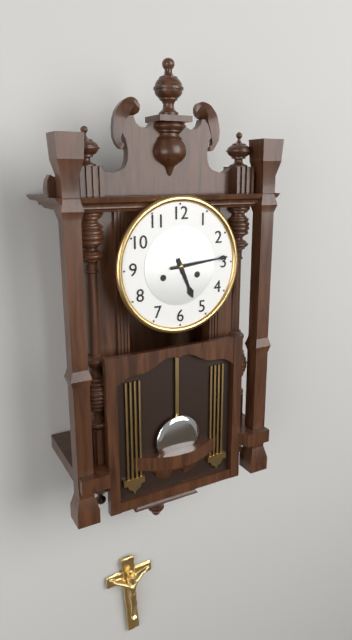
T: 5 h 14 min
